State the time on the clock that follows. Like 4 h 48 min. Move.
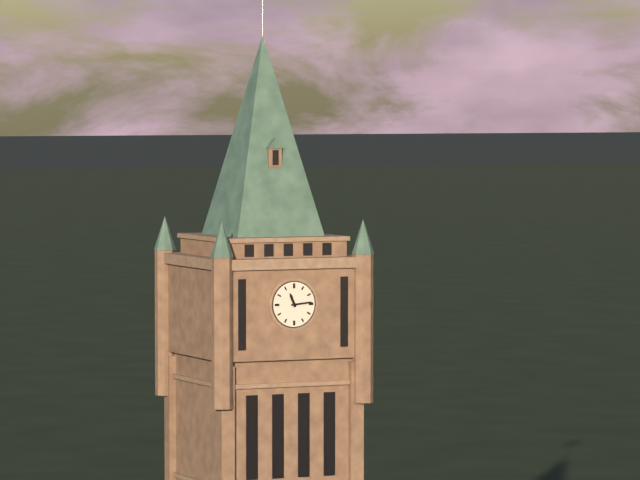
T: 11 h 14 min
